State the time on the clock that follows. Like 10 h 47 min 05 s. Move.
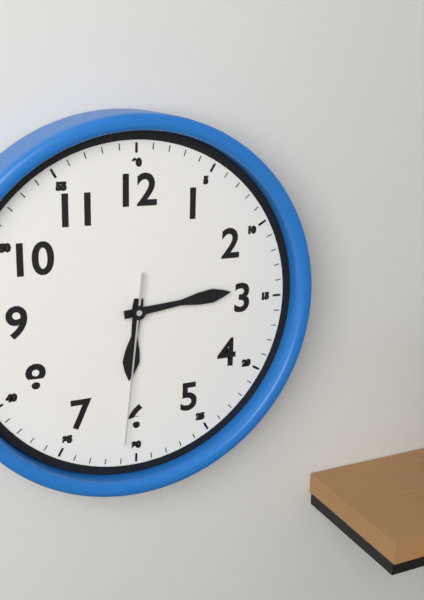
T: 6 h 14 min 31 s
